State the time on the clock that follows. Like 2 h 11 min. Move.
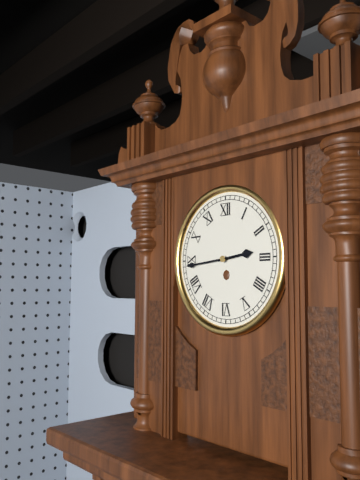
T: 2 h 44 min
